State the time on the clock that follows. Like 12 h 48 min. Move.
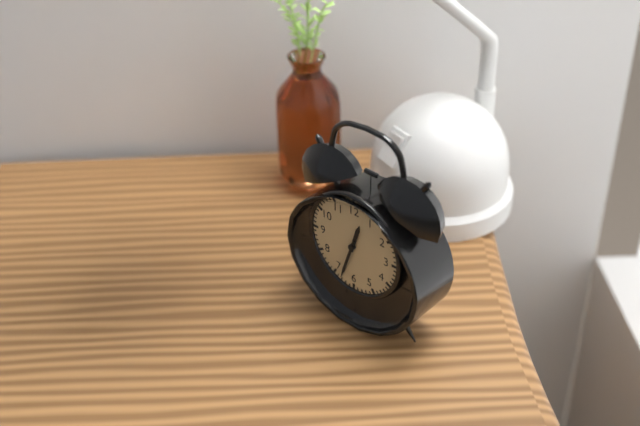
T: 12 h 33 min
